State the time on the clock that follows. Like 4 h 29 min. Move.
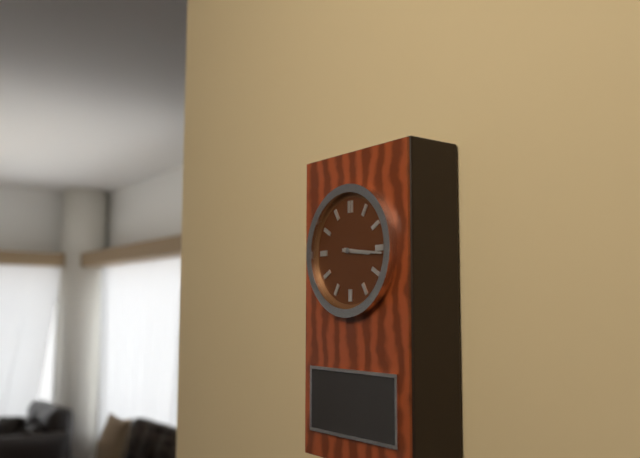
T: 3 h 16 min
